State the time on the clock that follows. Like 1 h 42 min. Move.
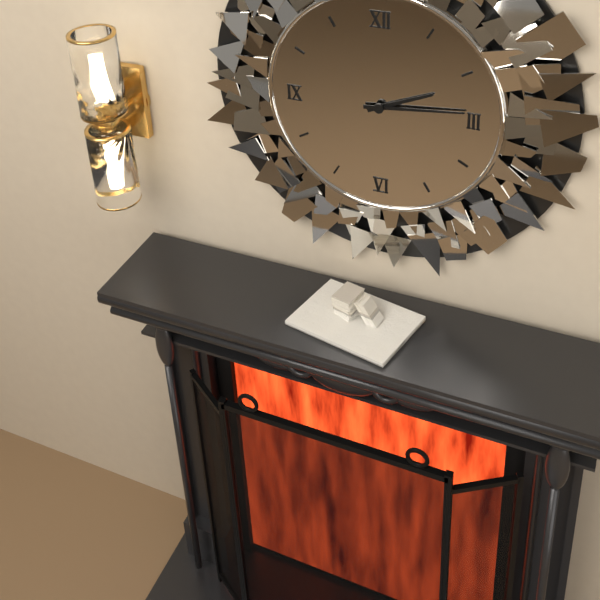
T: 2 h 14 min
